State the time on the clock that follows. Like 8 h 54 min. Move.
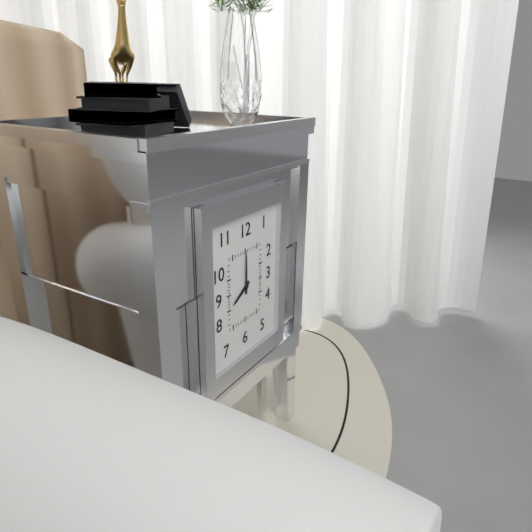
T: 8 h 00 min
